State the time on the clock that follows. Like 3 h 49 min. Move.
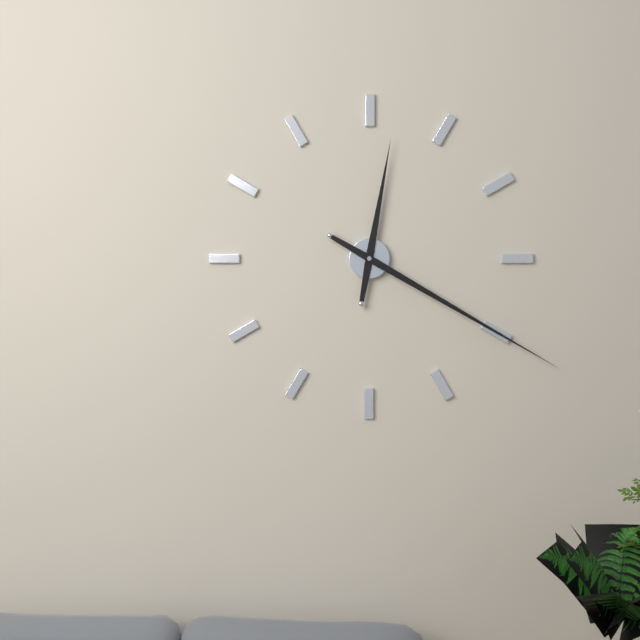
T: 12 h 20 min
